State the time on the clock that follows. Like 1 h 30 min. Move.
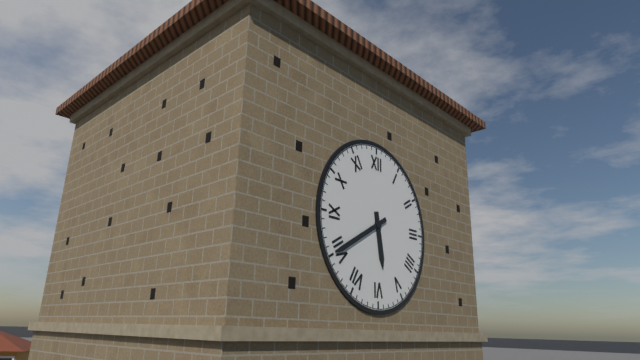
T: 5 h 40 min
